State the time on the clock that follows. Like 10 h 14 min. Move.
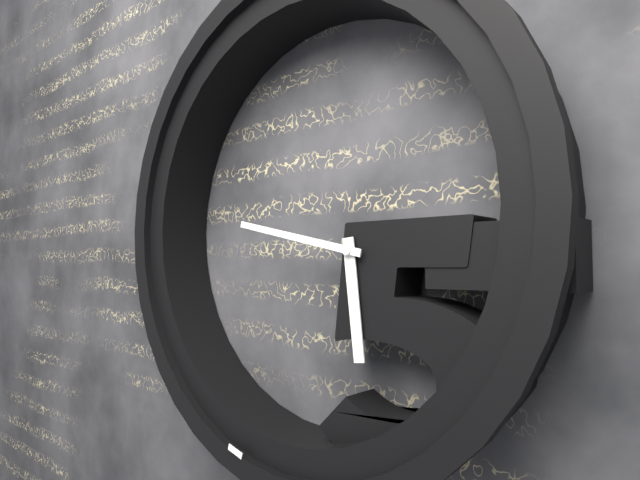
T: 5 h 47 min
